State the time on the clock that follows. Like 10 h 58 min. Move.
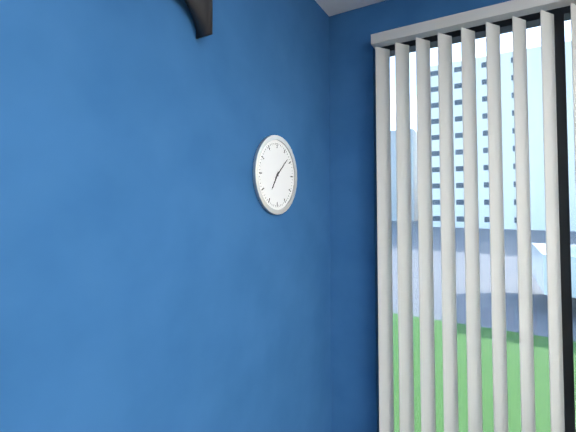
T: 7 h 08 min
